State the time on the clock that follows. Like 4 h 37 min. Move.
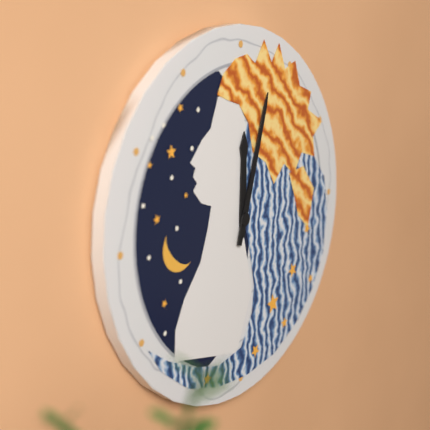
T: 12 h 03 min
